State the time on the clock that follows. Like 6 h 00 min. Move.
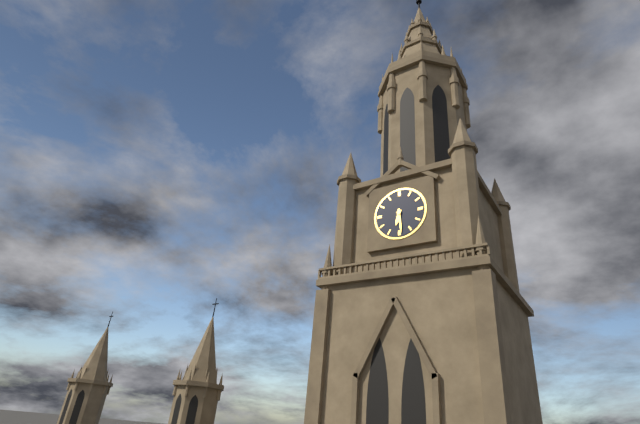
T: 6 h 29 min
